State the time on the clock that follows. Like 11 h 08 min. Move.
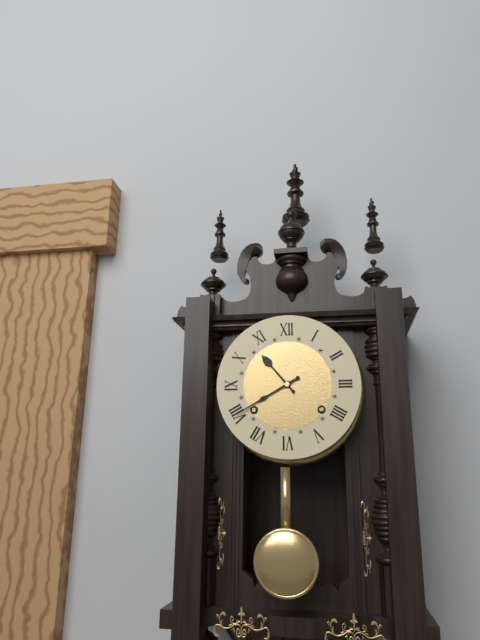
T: 10 h 40 min
